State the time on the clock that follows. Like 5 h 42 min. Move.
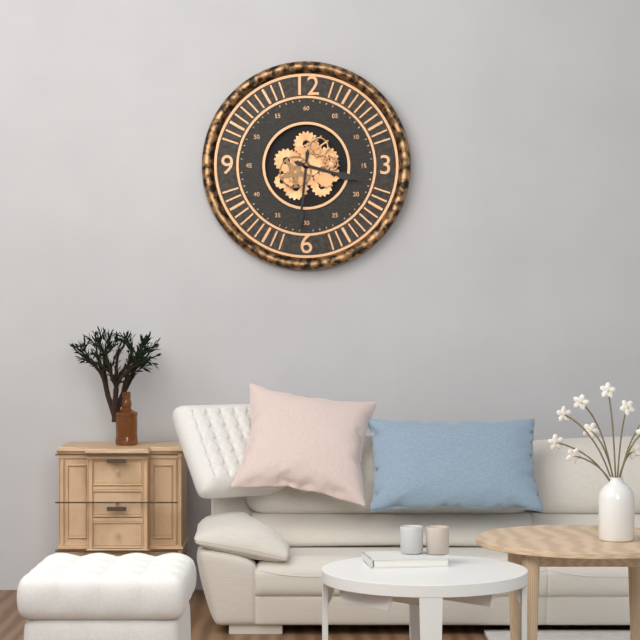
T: 3 h 31 min
